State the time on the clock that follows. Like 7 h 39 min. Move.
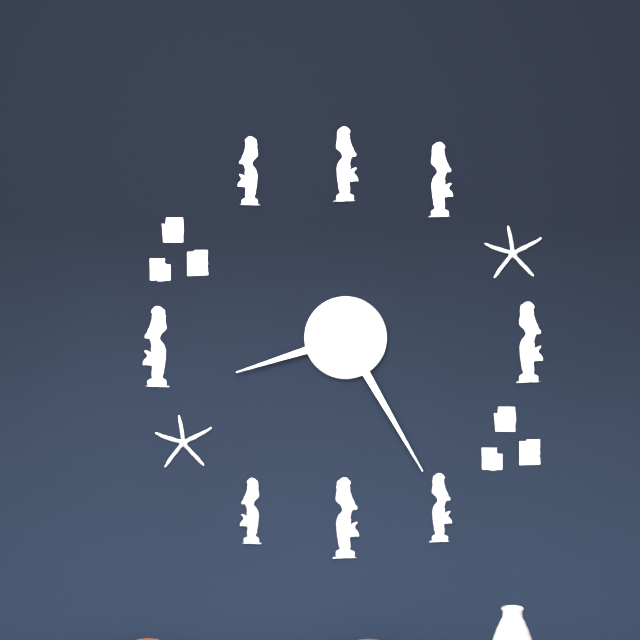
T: 8 h 25 min
